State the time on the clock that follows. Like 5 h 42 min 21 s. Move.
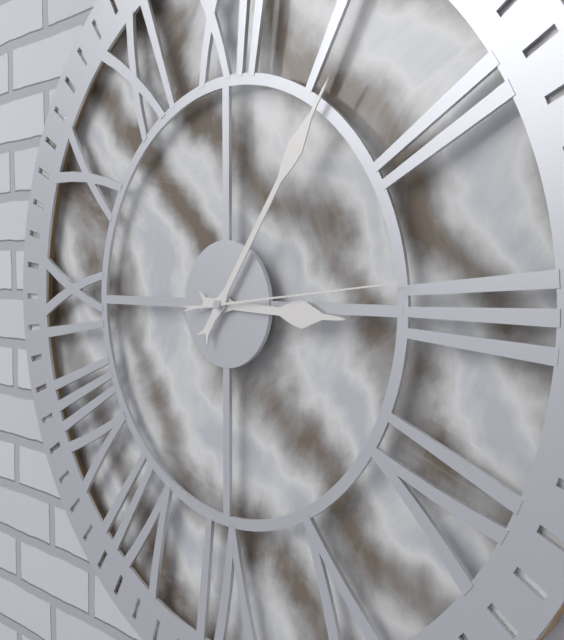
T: 3 h 06 min 14 s
